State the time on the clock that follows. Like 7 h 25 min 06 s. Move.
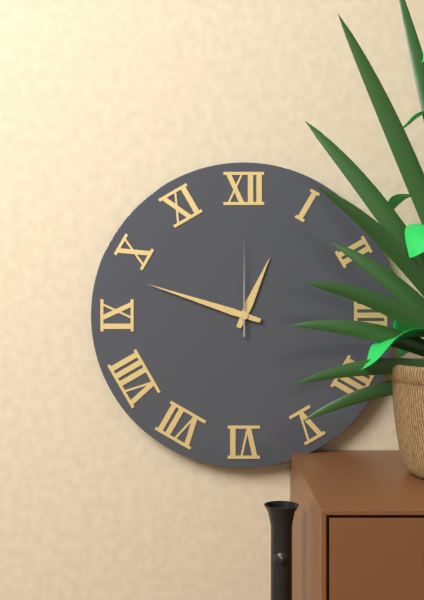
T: 12 h 48 min 00 s
